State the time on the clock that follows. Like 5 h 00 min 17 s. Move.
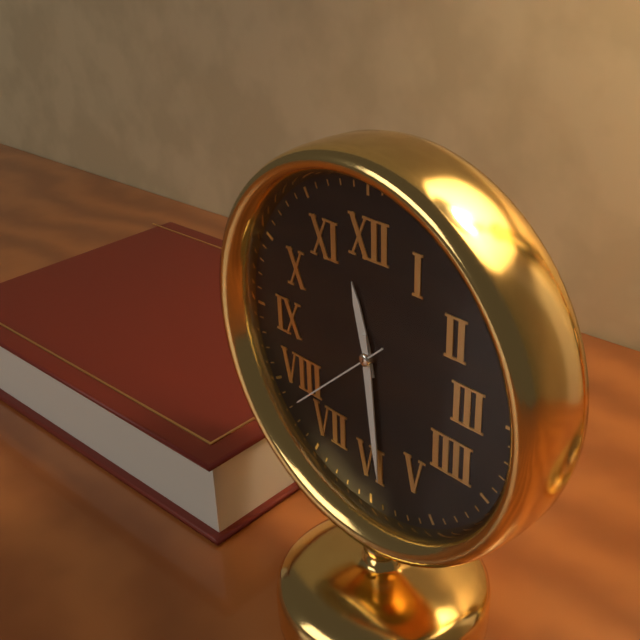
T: 11 h 29 min 38 s
